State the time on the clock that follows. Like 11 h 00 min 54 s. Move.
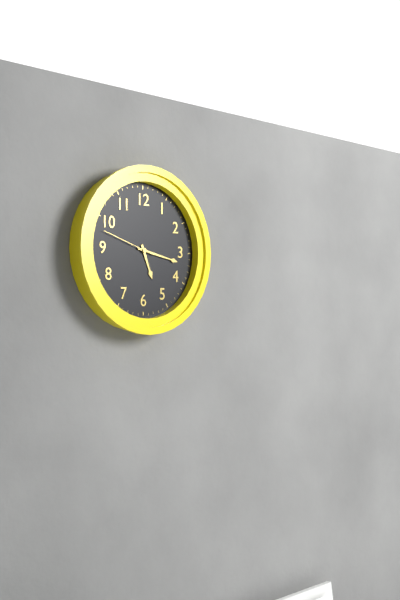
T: 5 h 17 min 48 s
